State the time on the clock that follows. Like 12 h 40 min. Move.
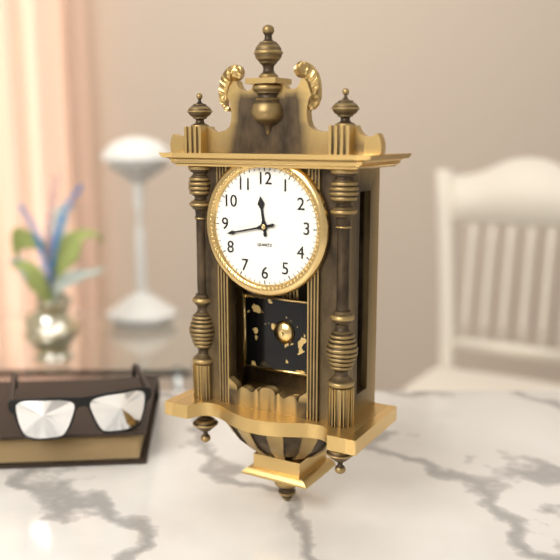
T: 11 h 43 min
